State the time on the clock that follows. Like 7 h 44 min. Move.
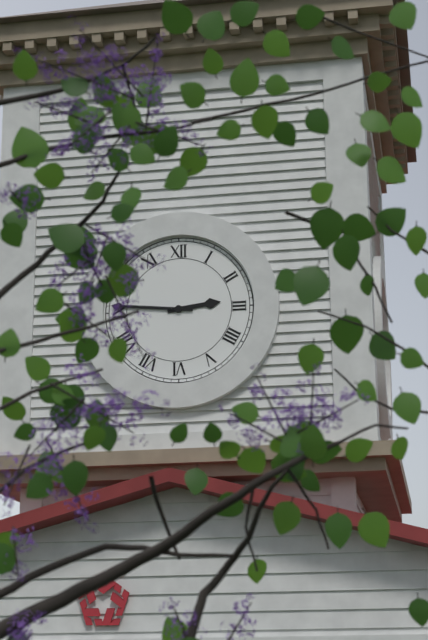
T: 2 h 46 min
